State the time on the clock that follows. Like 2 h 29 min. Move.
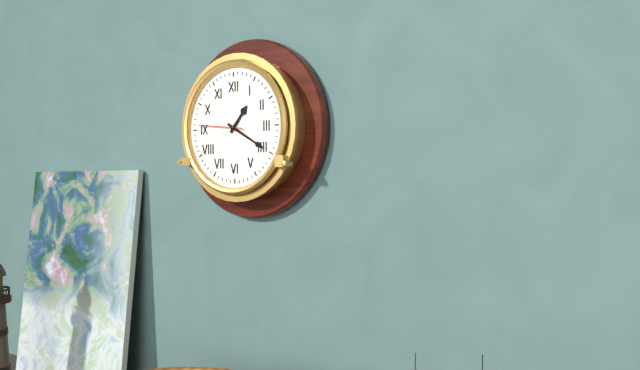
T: 1 h 20 min
